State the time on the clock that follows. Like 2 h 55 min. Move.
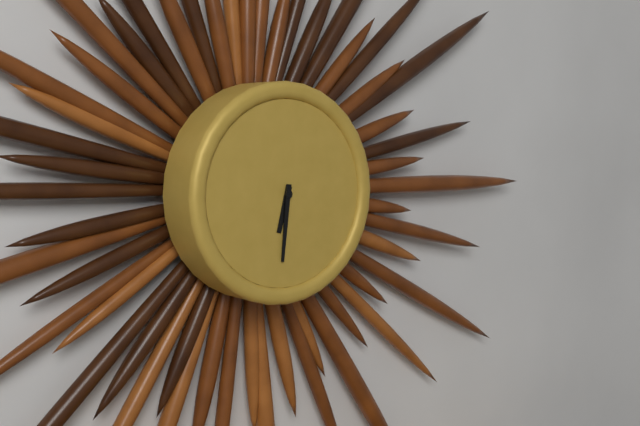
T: 6 h 31 min
